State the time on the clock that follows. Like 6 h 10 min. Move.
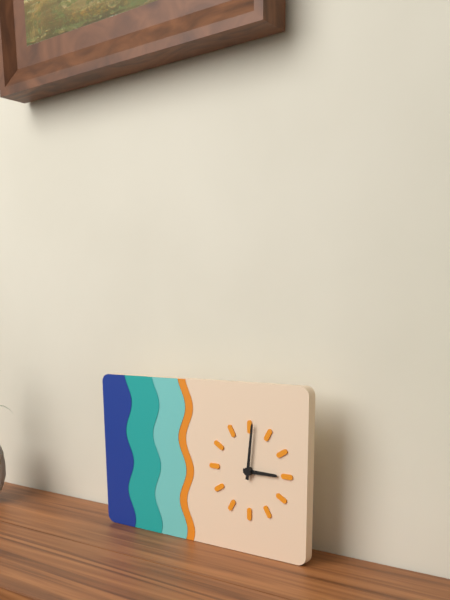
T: 3 h 01 min
